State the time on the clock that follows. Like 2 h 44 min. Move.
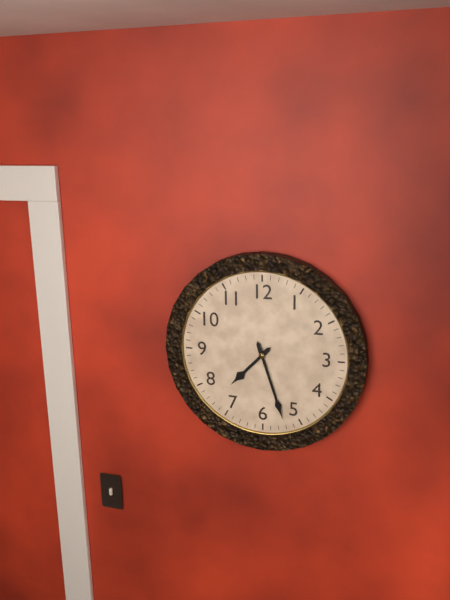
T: 7 h 27 min
